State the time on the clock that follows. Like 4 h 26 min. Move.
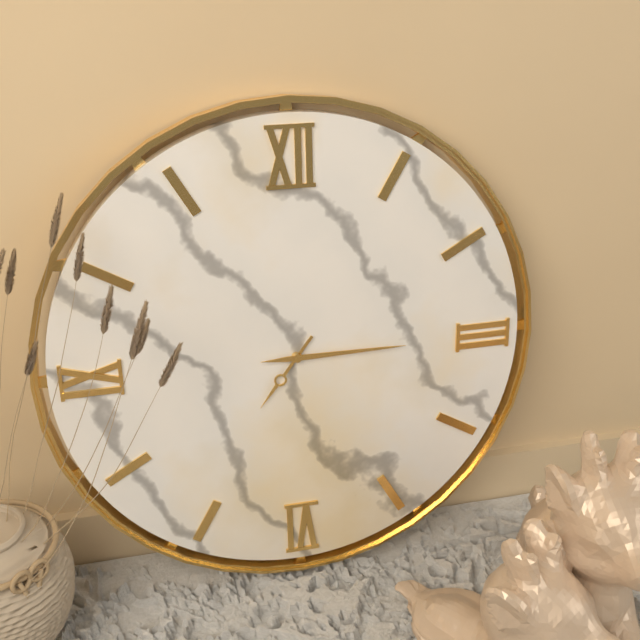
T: 7 h 15 min
